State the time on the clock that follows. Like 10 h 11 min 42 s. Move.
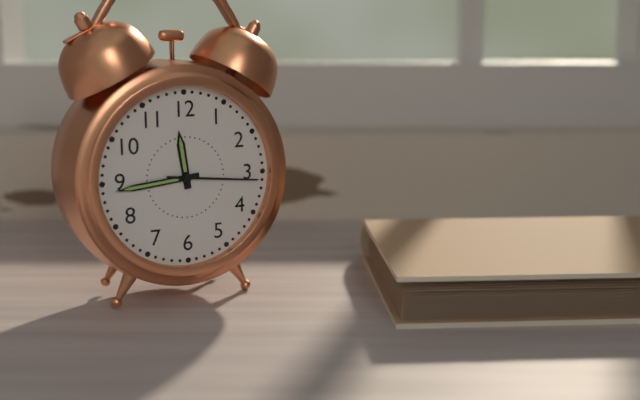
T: 11 h 44 min 16 s
